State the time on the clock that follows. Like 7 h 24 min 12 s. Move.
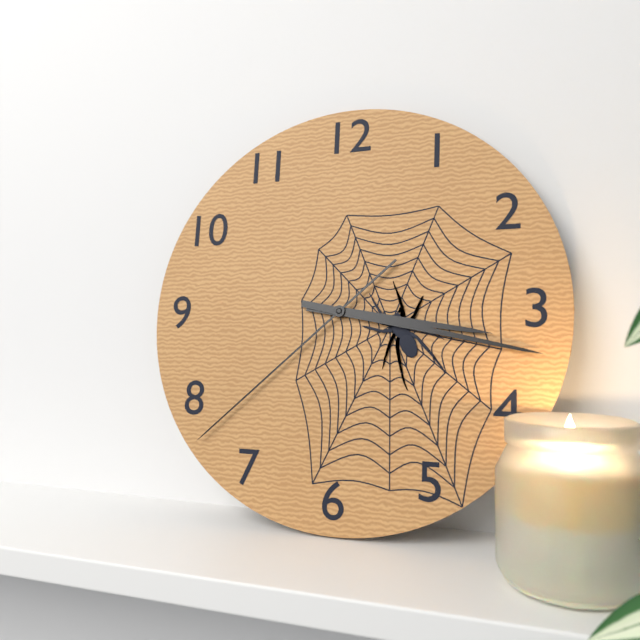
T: 3 h 17 min 38 s
